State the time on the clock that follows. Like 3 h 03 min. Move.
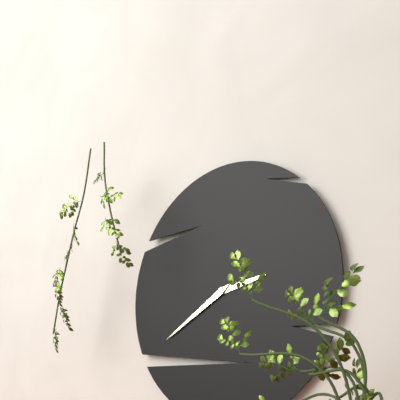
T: 2 h 40 min
